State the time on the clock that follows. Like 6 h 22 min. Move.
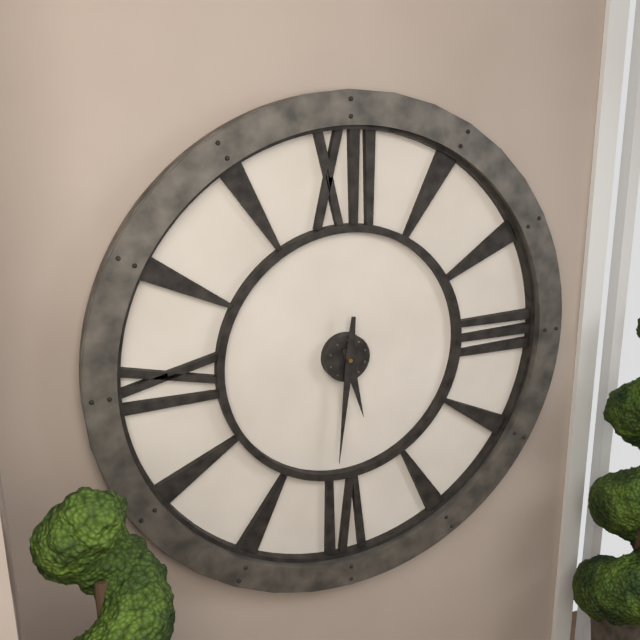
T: 5 h 31 min
